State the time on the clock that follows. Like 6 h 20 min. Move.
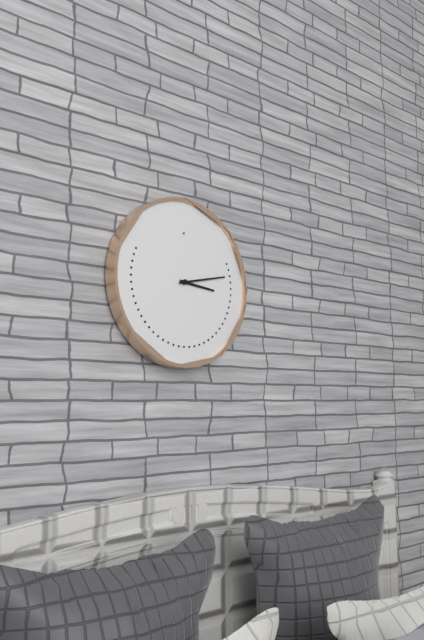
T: 3 h 13 min
